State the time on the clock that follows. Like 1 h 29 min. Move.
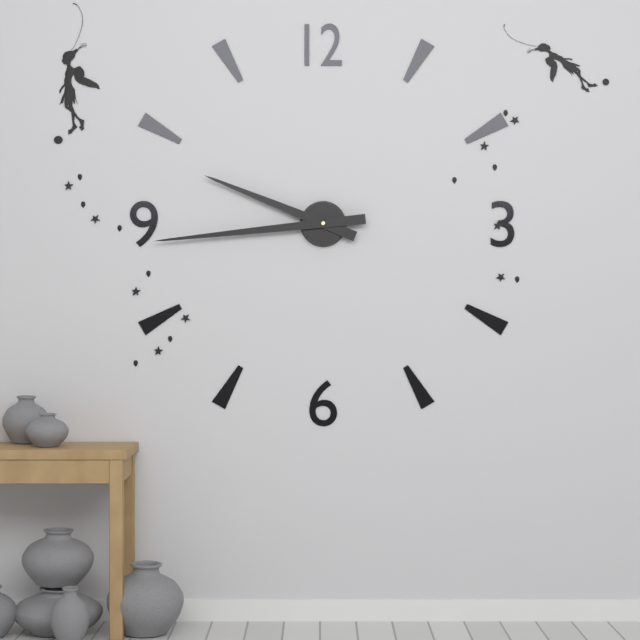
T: 9 h 44 min
